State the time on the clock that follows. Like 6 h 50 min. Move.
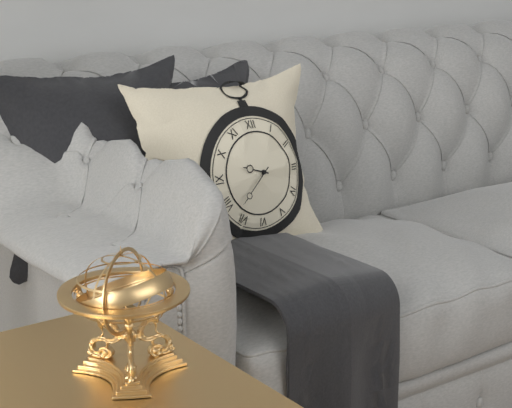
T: 9 h 38 min
